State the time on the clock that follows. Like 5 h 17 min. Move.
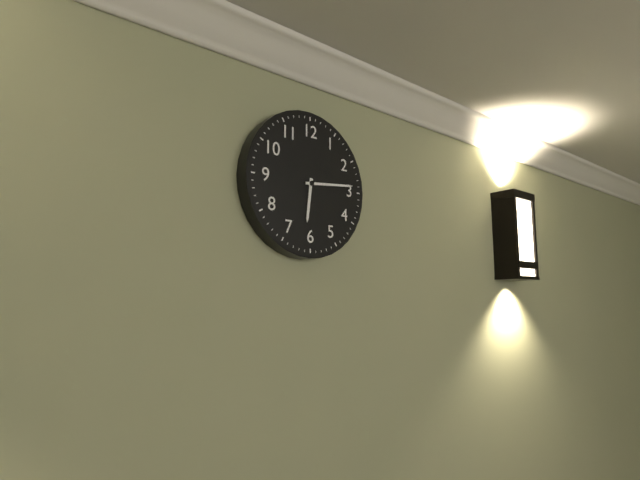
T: 6 h 14 min
